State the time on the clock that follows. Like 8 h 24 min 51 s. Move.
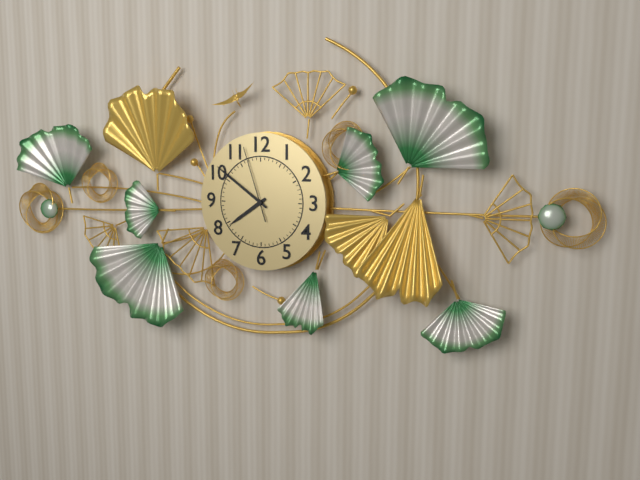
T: 7 h 51 min 57 s
